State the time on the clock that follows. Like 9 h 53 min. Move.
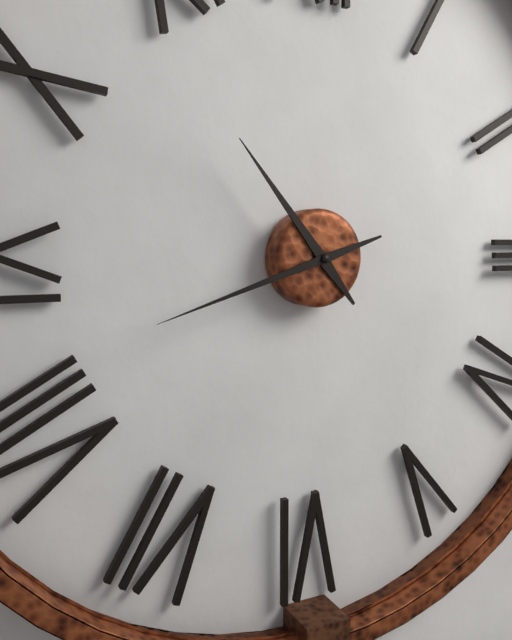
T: 10 h 42 min
